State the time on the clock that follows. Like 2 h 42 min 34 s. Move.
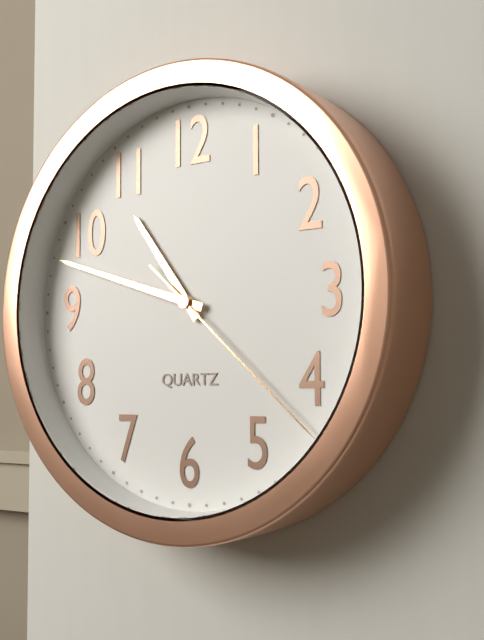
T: 10 h 48 min 22 s
